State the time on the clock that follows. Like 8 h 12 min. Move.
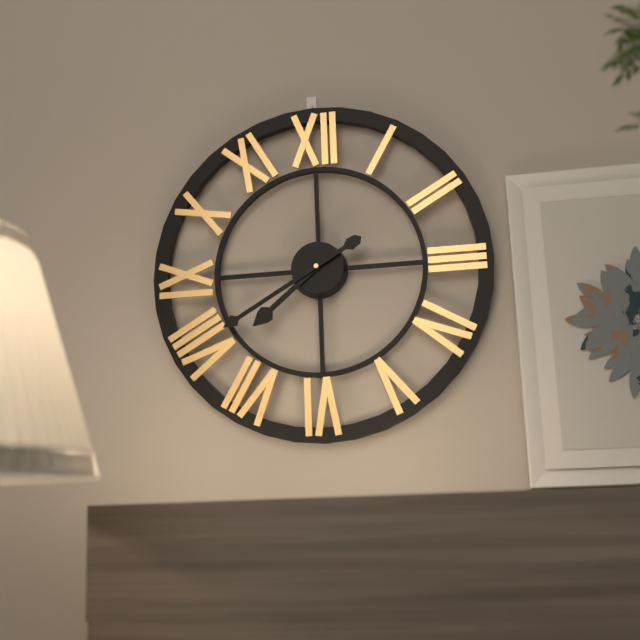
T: 7 h 40 min
